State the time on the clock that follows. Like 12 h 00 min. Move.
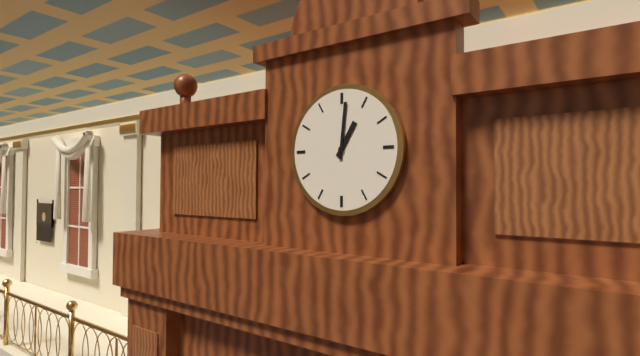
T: 1 h 01 min
